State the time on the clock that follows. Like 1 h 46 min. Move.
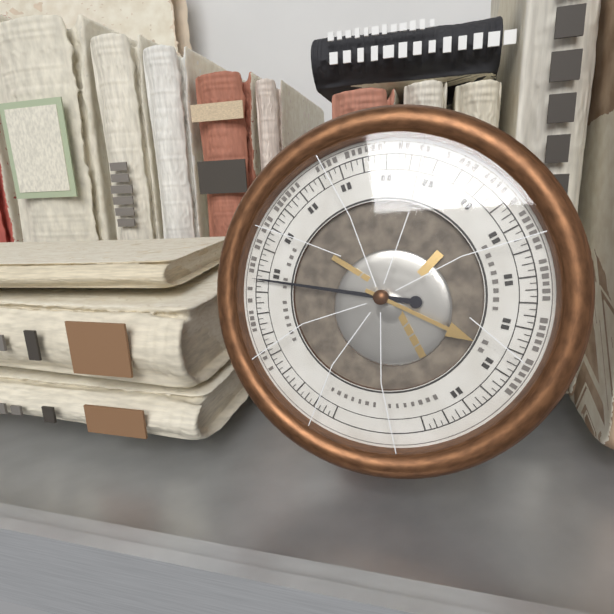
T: 3 h 46 min
